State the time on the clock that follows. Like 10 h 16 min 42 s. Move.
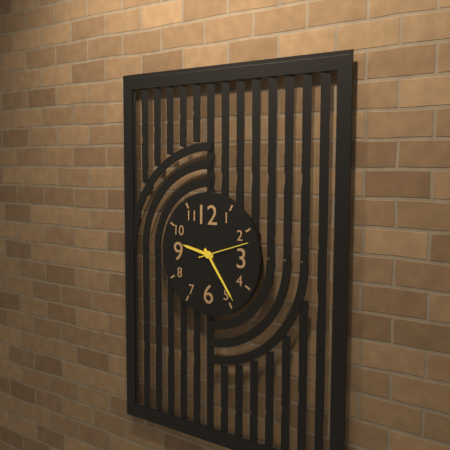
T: 9 h 24 min 12 s
